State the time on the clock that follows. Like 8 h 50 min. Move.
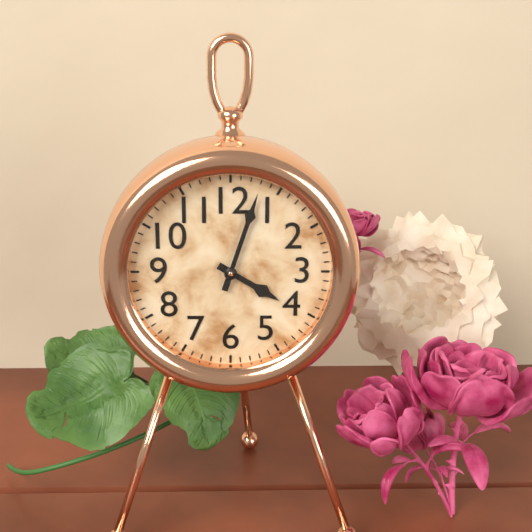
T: 4 h 03 min
